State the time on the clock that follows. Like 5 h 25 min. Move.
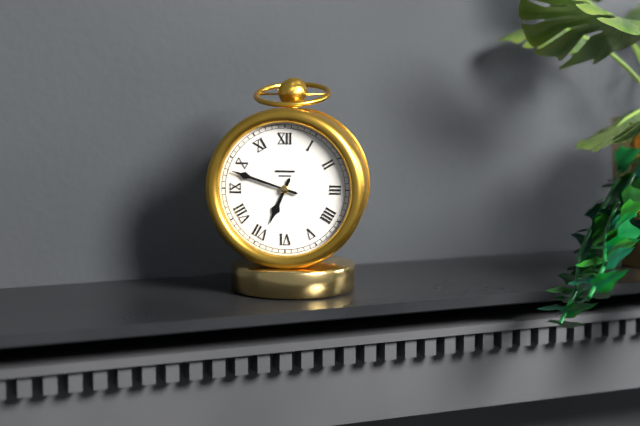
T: 6 h 48 min
